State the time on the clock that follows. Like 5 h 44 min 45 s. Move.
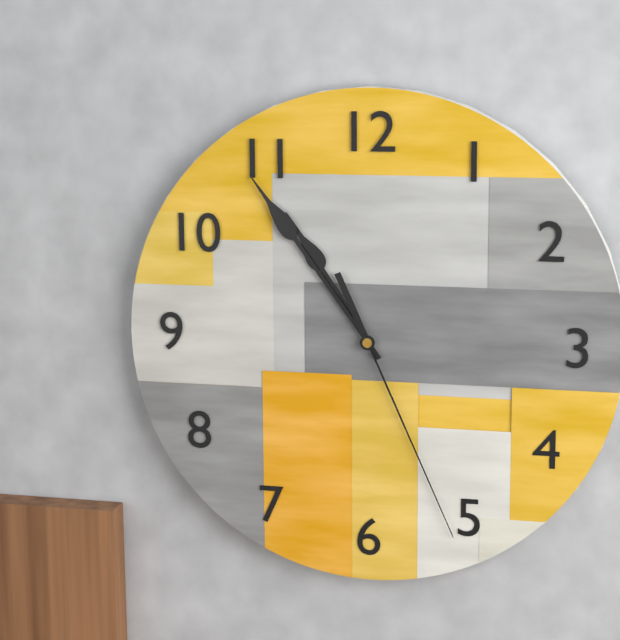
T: 10 h 54 min 26 s
